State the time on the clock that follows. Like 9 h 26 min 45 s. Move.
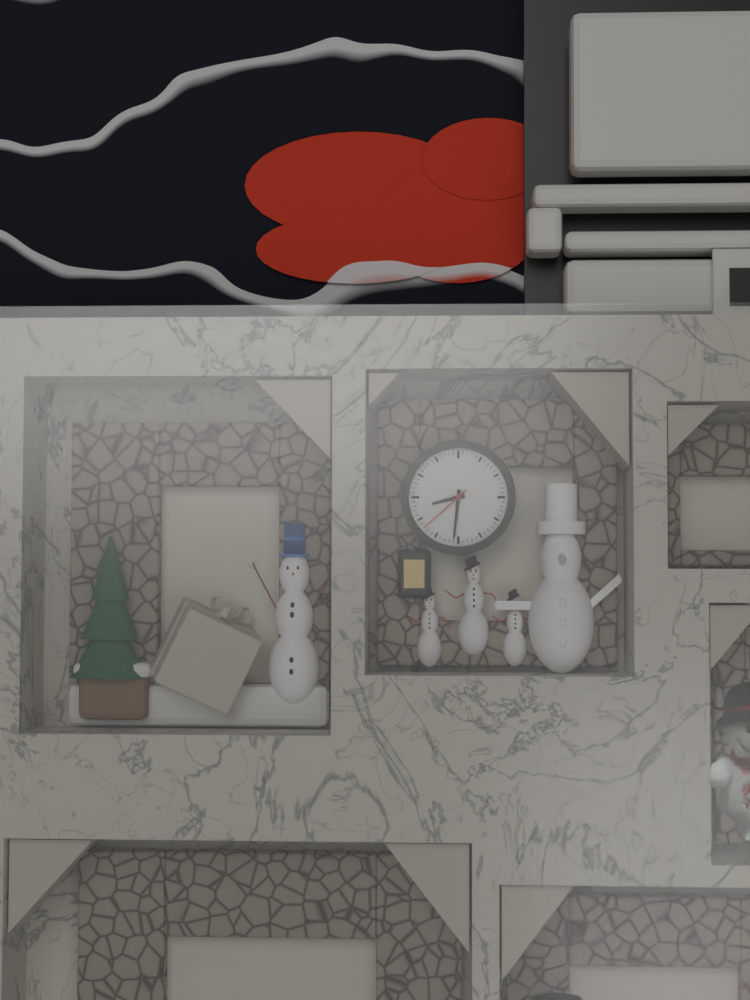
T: 8 h 31 min 38 s
